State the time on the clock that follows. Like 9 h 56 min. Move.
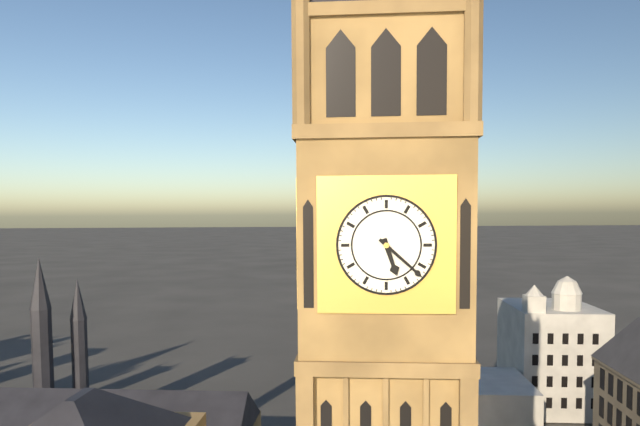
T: 5 h 22 min
